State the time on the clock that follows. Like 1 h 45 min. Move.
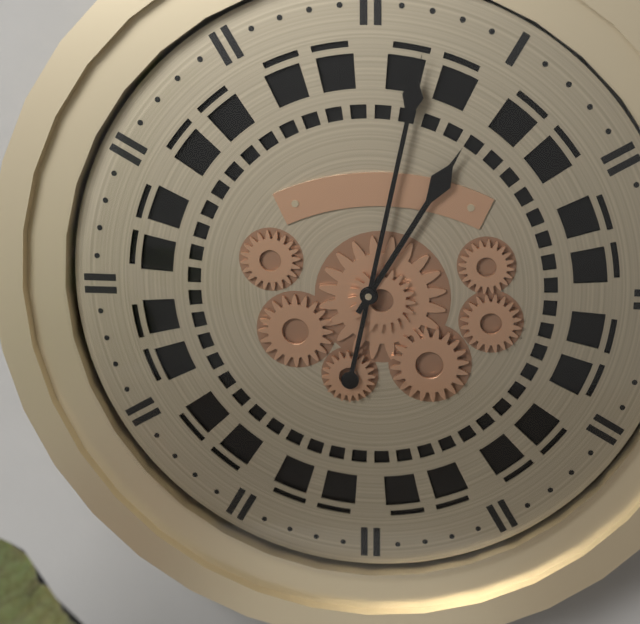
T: 1 h 02 min
